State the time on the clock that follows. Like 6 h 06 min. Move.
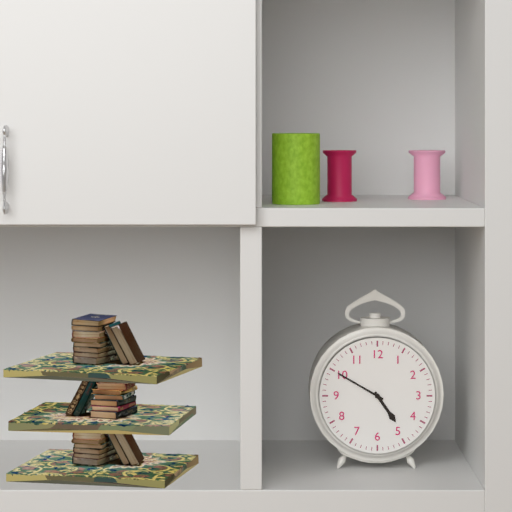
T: 4 h 50 min
